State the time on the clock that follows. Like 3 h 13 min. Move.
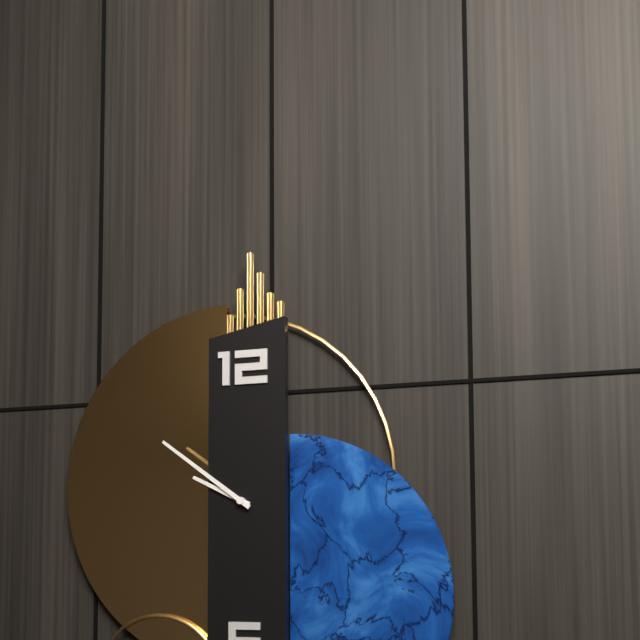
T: 9 h 51 min
